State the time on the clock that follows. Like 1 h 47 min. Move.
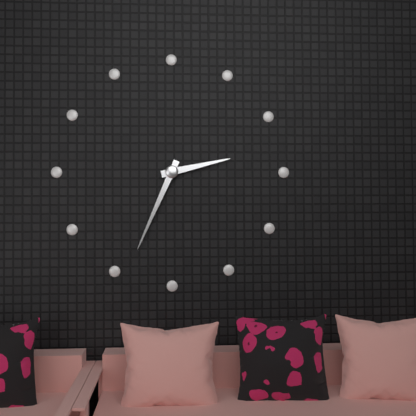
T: 2 h 34 min
